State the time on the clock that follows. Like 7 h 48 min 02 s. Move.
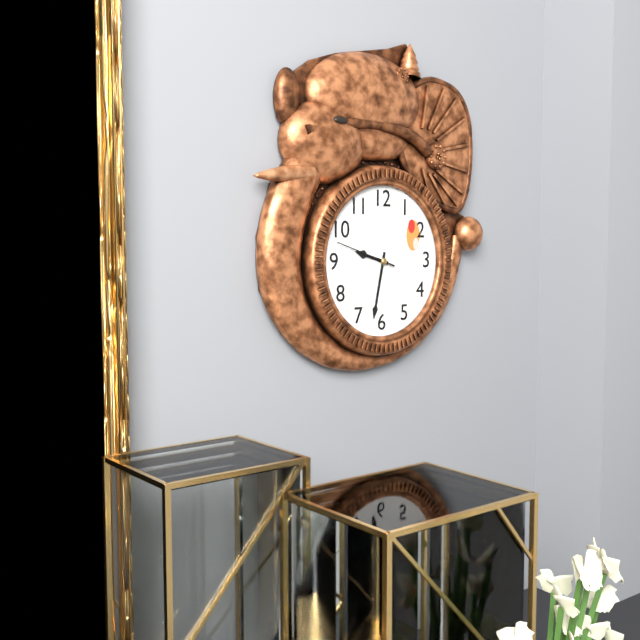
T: 9 h 32 min 48 s
